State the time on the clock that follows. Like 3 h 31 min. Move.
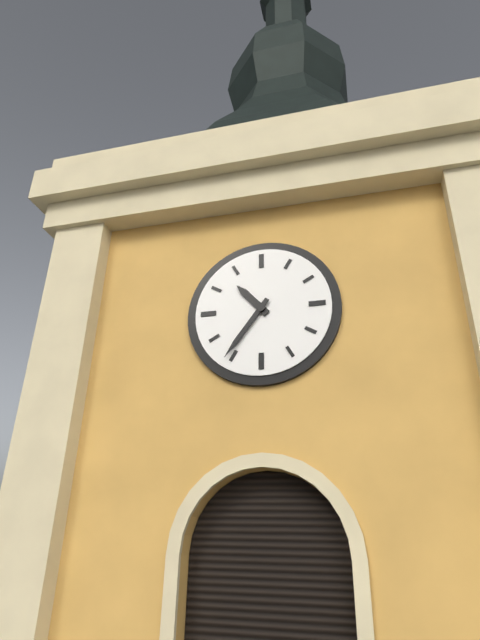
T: 10 h 36 min
